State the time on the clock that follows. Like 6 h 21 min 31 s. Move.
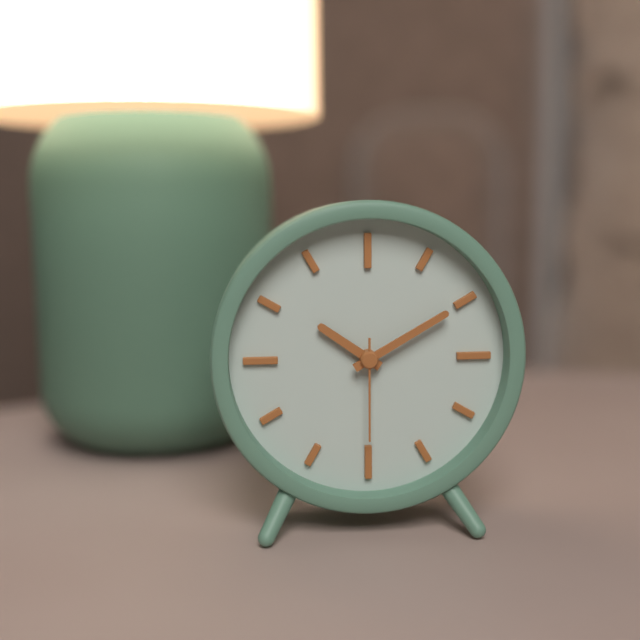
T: 10 h 10 min 30 s
